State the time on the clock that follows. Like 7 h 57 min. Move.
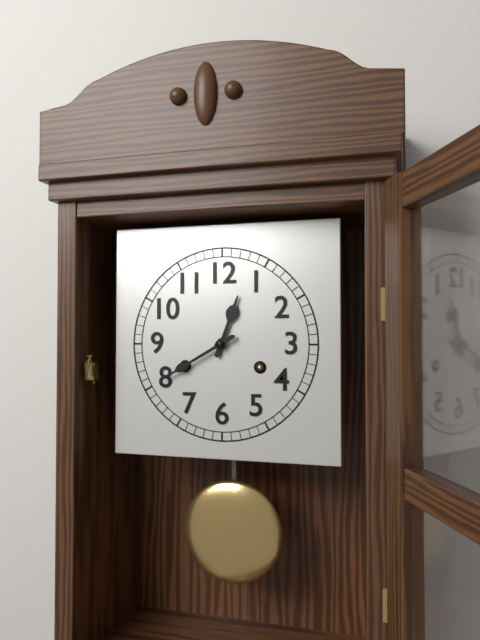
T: 12 h 40 min
